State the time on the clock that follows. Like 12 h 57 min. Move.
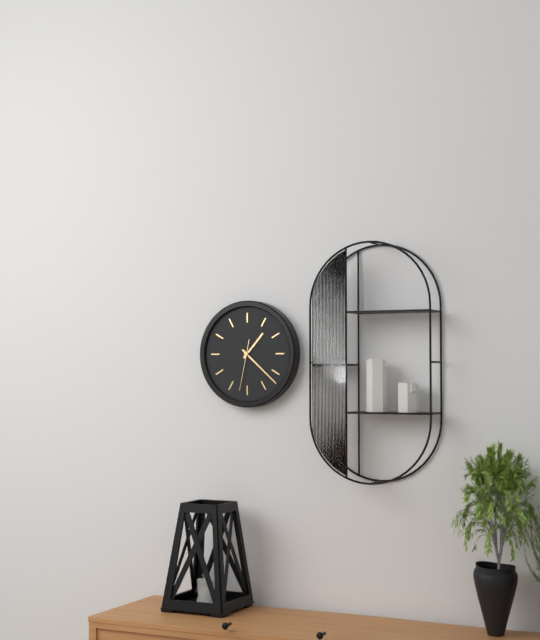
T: 1 h 22 min
